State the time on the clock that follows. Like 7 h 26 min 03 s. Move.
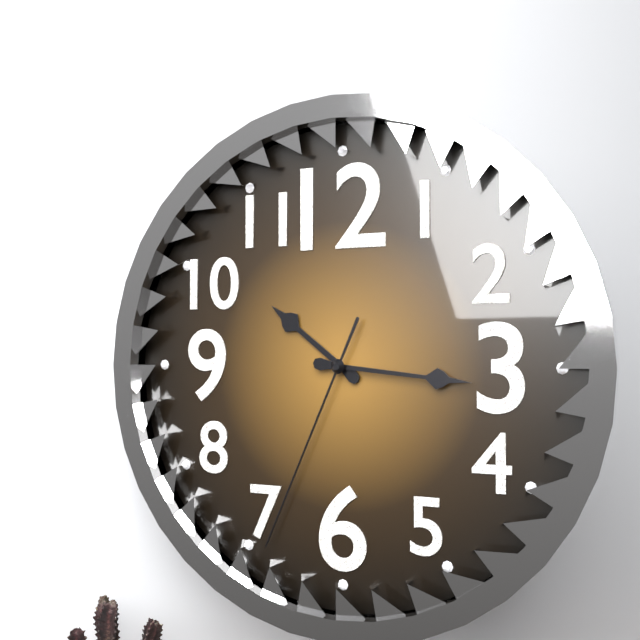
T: 10 h 16 min 34 s
